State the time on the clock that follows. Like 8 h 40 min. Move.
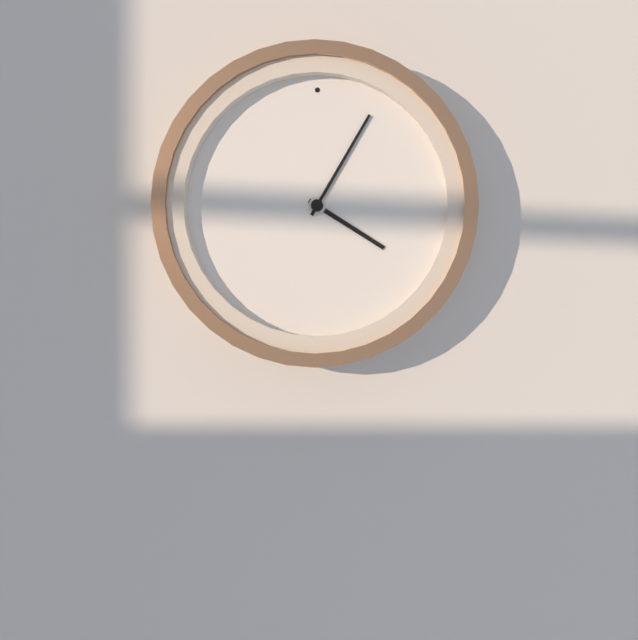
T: 4 h 05 min
